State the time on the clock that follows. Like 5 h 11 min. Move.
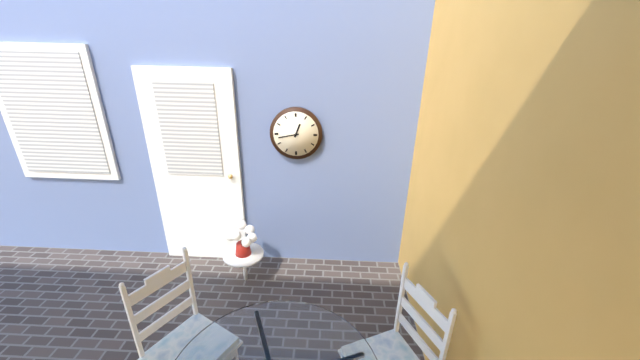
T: 12 h 43 min
